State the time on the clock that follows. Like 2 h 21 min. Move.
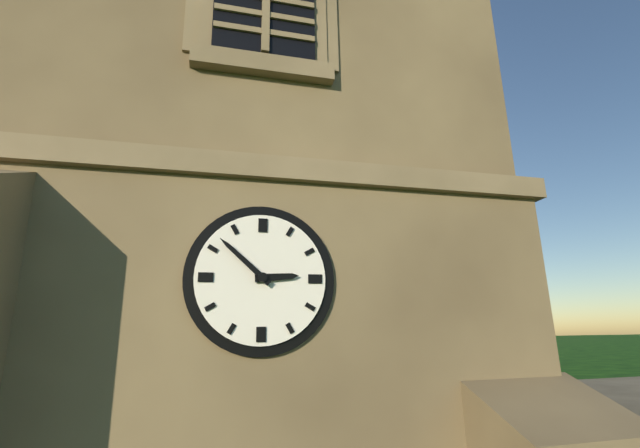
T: 2 h 52 min
